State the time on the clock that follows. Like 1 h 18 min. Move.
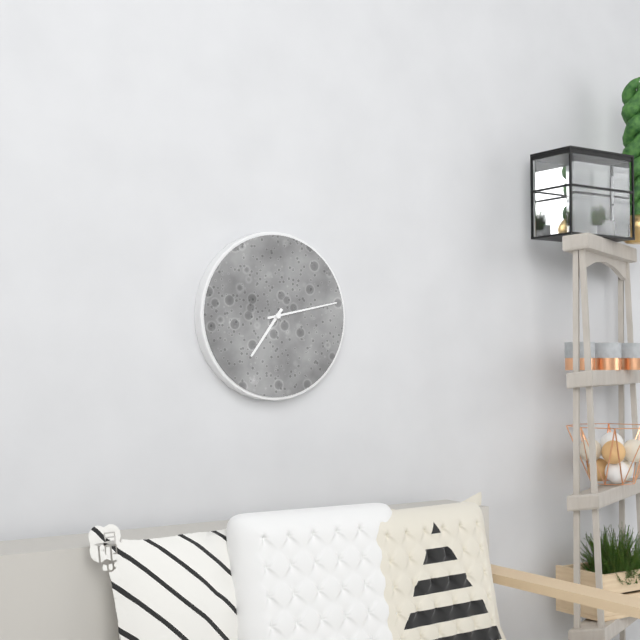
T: 7 h 13 min
